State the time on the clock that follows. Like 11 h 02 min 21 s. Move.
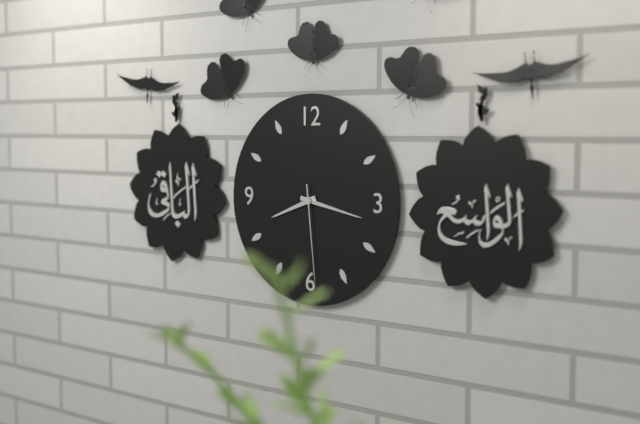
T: 8 h 17 min 29 s
